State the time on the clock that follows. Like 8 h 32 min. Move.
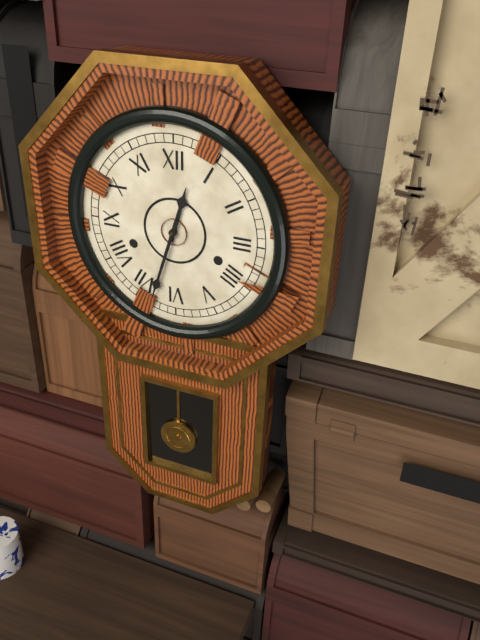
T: 12 h 33 min
